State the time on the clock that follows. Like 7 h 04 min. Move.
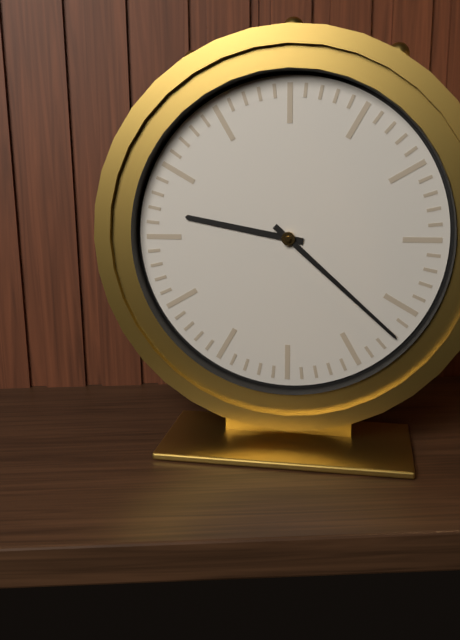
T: 9 h 22 min
